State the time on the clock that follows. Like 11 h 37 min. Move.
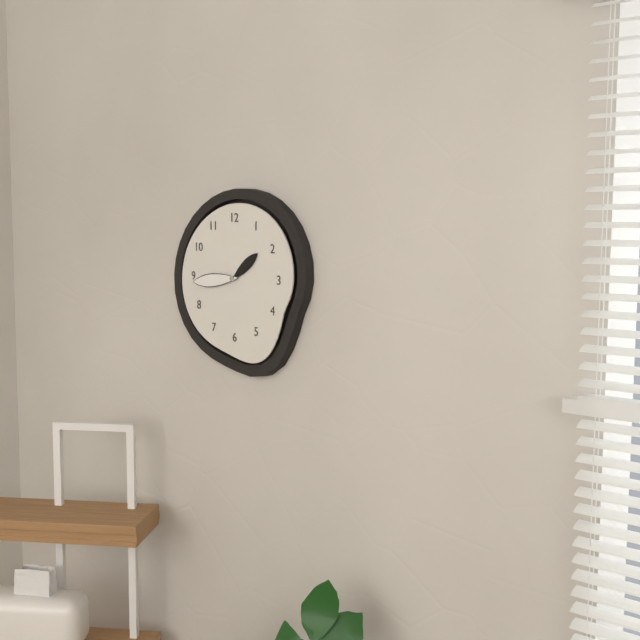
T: 1 h 44 min
